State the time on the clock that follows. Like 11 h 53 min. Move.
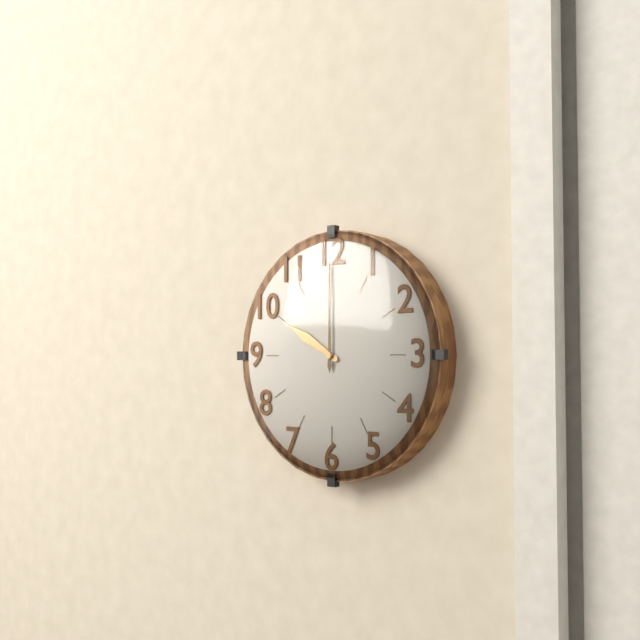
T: 10 h 00 min
